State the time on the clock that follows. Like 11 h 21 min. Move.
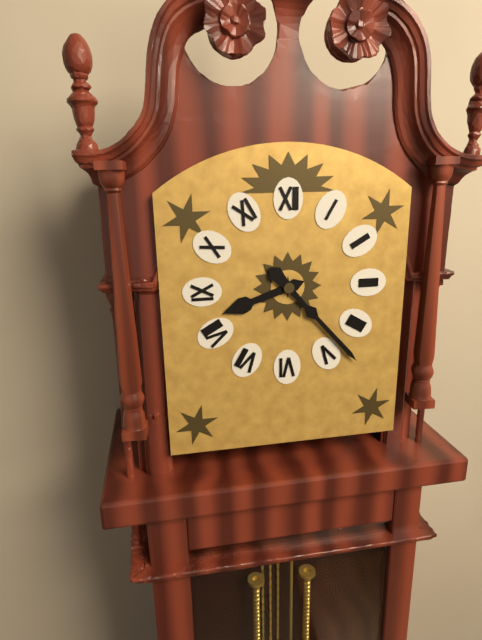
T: 8 h 23 min
